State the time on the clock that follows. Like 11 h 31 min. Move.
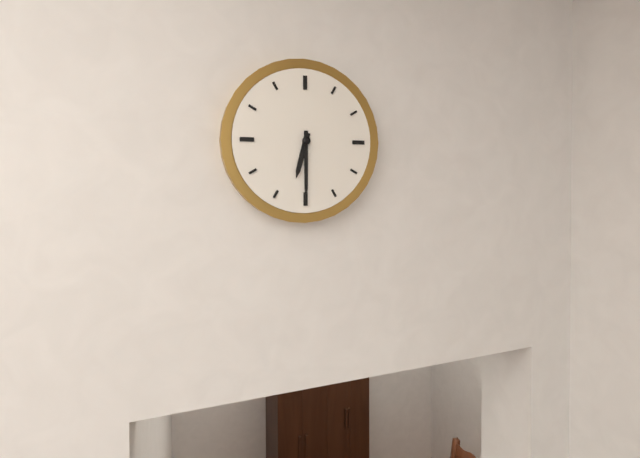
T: 6 h 30 min
